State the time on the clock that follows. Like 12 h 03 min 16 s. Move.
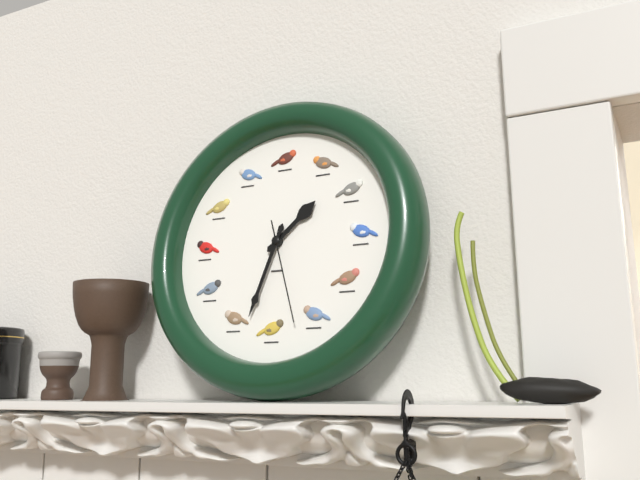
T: 1 h 33 min 27 s
